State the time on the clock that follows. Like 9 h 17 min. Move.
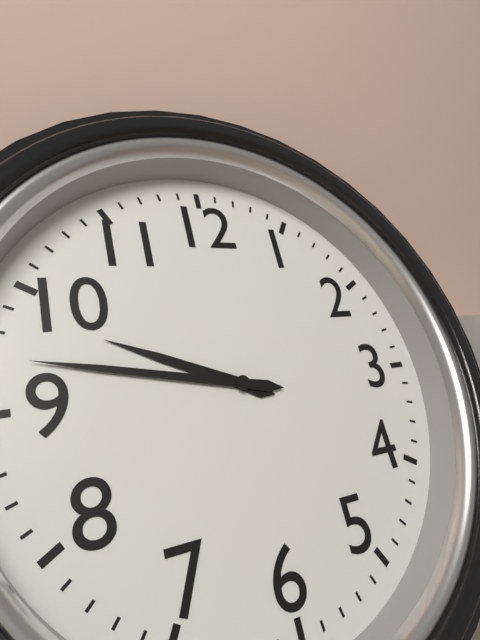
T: 9 h 47 min
